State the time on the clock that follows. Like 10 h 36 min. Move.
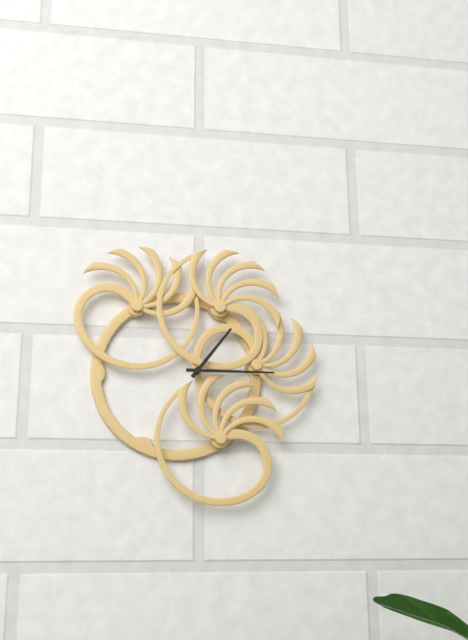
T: 1 h 15 min
